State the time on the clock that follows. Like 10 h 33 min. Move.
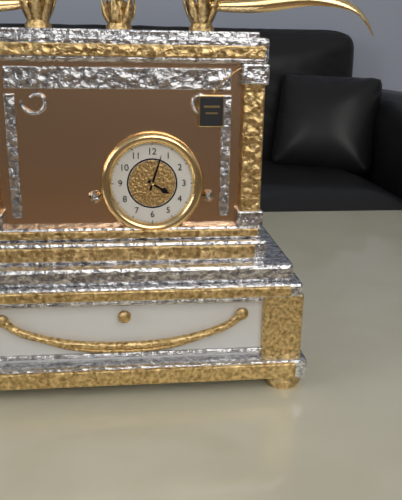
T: 4 h 03 min
